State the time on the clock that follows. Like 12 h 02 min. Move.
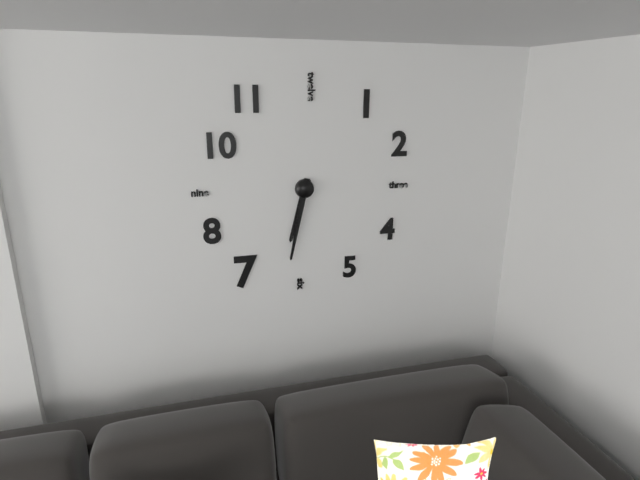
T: 6 h 32 min
